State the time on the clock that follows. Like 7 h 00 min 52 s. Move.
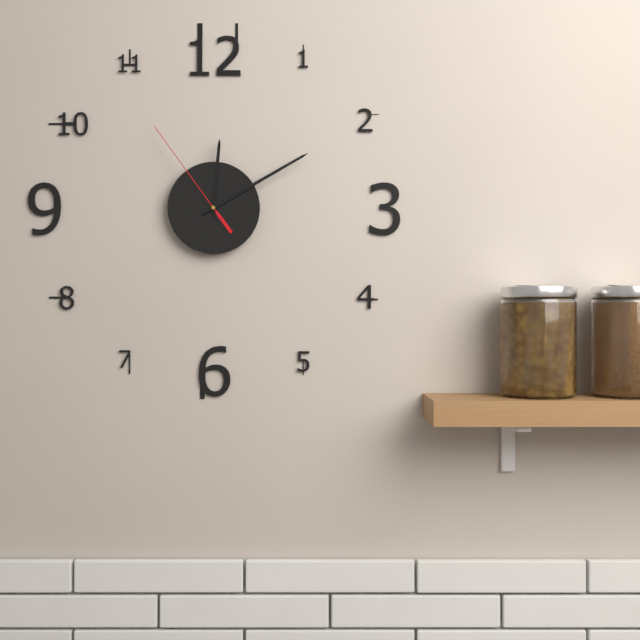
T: 12 h 10 min 54 s
